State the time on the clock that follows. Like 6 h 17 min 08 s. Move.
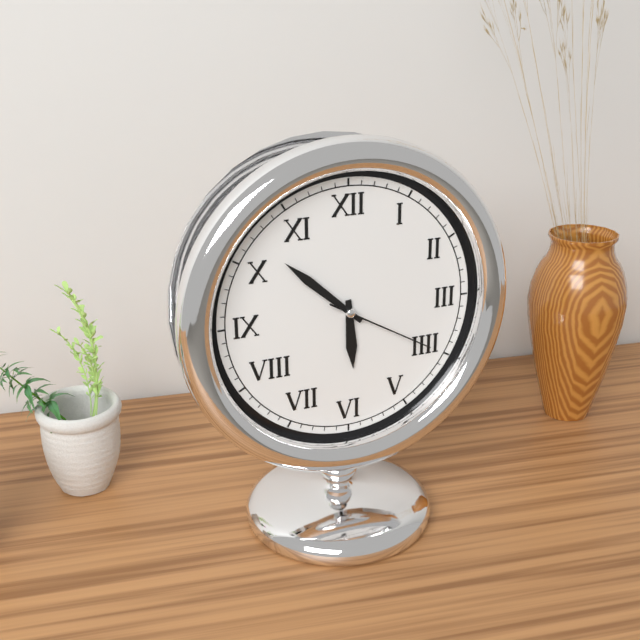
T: 5 h 52 min 20 s
